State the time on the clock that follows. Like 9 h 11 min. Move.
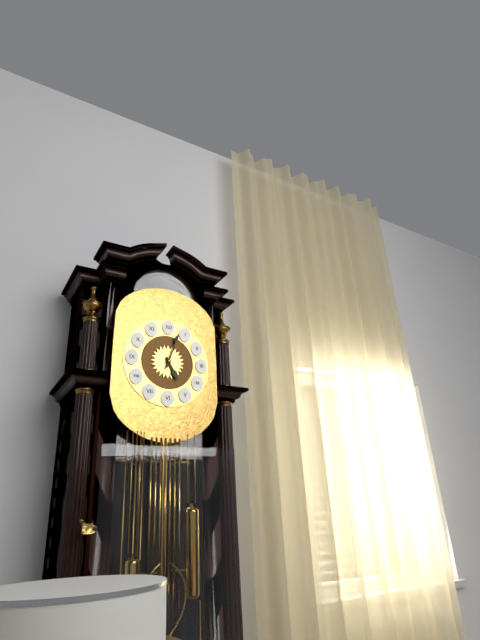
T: 5 h 03 min
